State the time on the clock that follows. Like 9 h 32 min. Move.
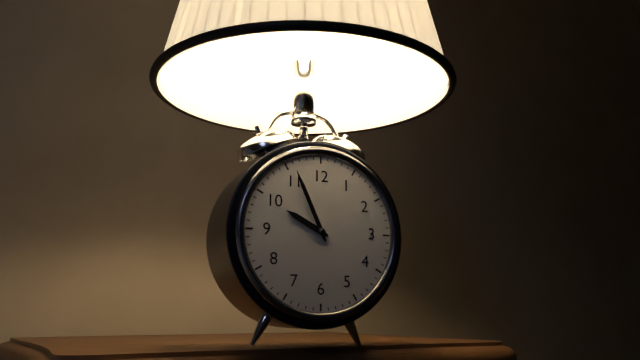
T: 9 h 56 min
